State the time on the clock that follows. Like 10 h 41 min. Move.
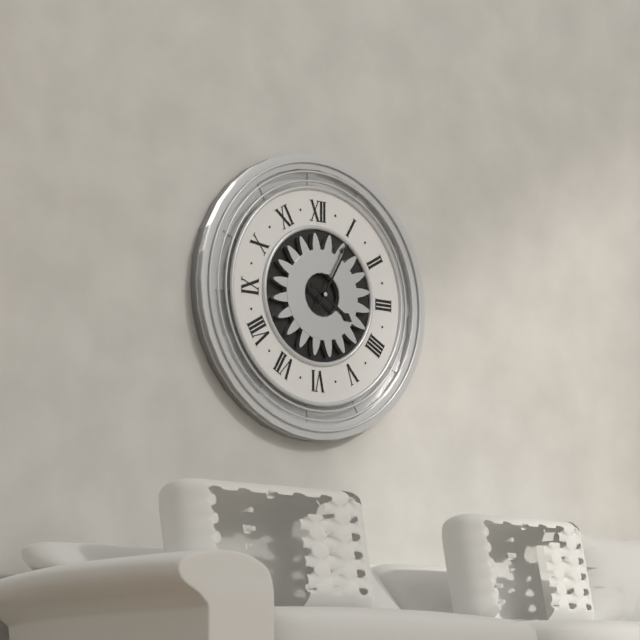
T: 4 h 05 min
